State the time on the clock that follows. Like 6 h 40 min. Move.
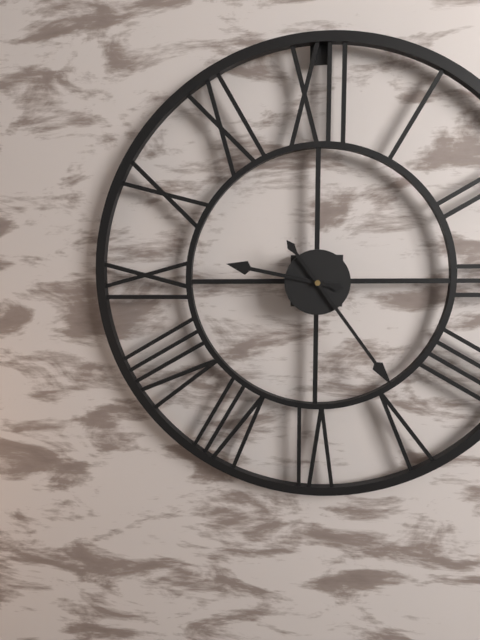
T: 9 h 24 min
